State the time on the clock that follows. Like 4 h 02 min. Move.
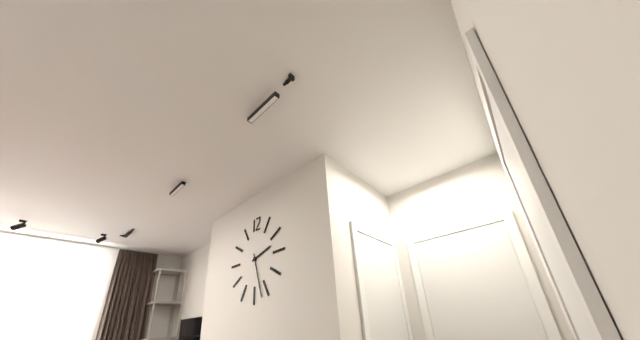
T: 2 h 27 min
